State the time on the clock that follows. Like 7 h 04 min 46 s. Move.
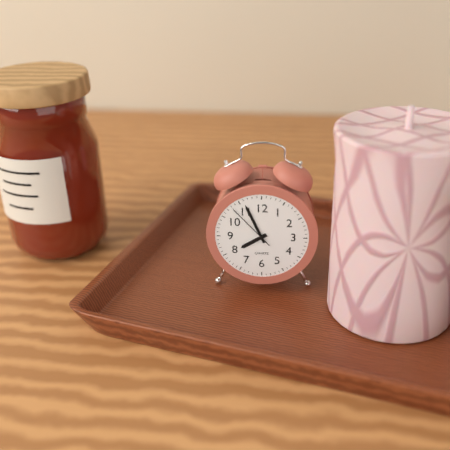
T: 7 h 56 min 53 s
